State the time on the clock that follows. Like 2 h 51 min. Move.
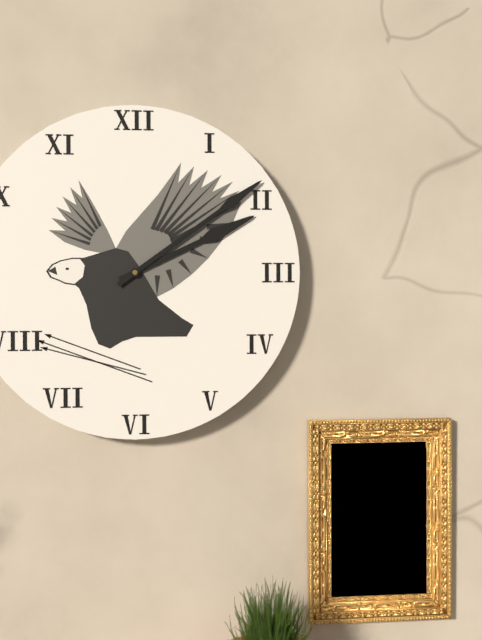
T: 2 h 09 min
